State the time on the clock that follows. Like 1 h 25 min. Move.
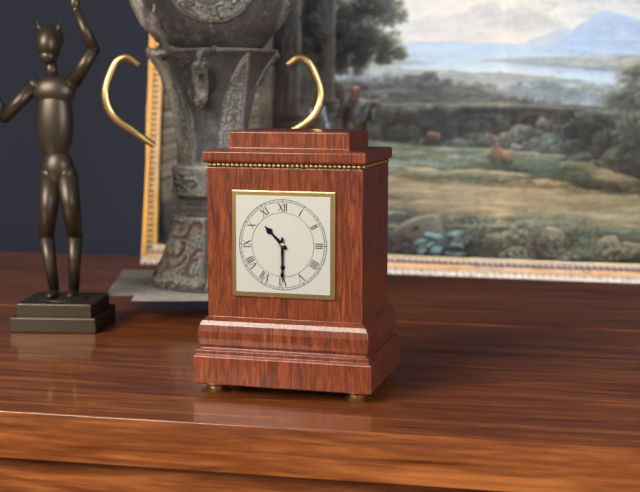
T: 10 h 30 min
